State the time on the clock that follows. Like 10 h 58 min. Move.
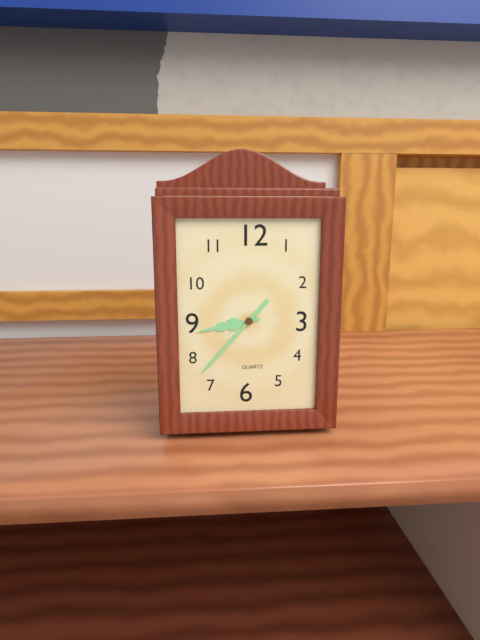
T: 8 h 37 min
